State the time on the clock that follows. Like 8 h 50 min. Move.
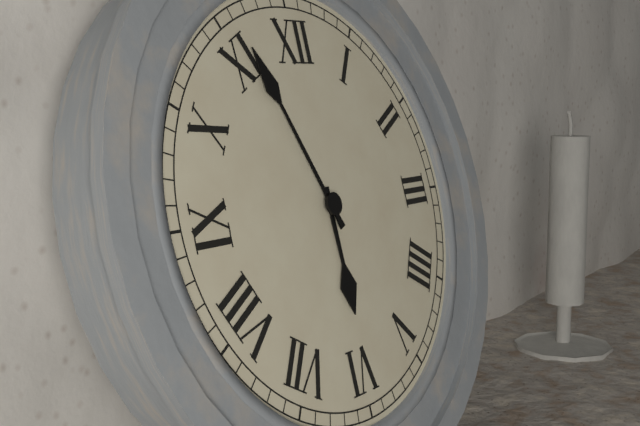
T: 5 h 56 min
